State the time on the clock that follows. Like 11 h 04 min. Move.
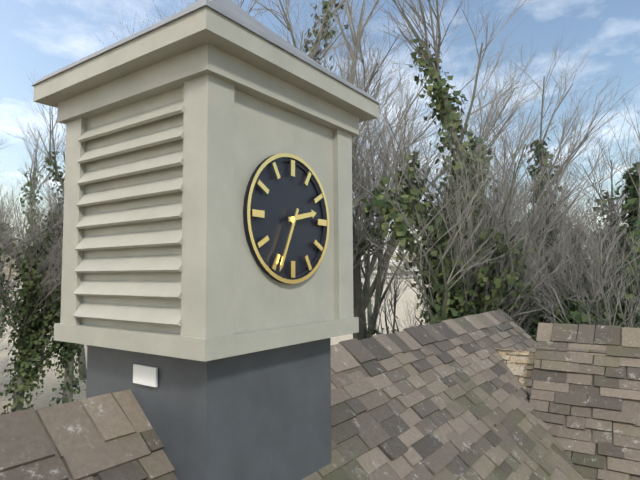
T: 2 h 34 min
